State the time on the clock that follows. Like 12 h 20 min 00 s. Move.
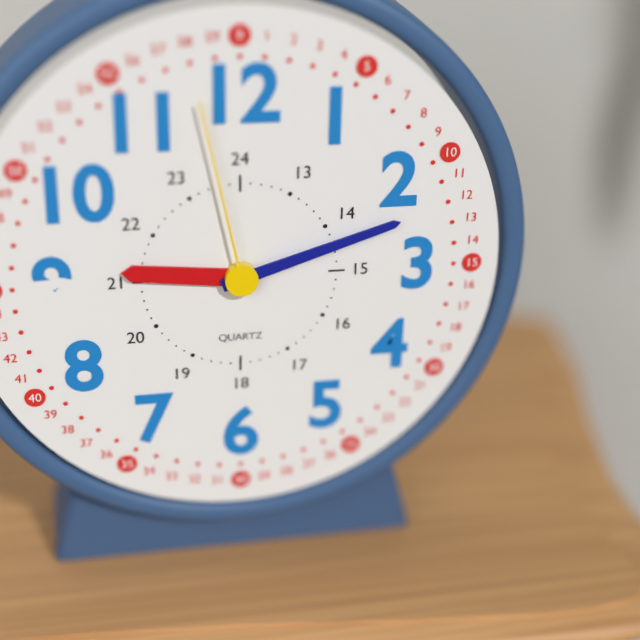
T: 9 h 12 min 58 s
